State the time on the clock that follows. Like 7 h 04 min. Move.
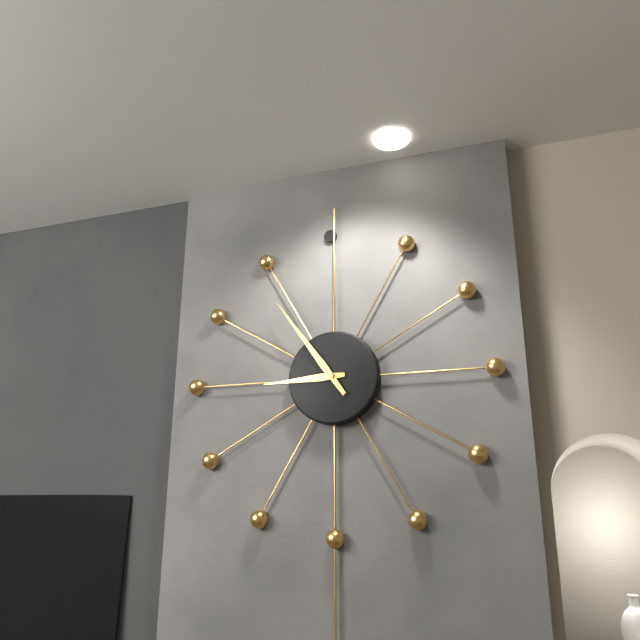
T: 8 h 54 min
